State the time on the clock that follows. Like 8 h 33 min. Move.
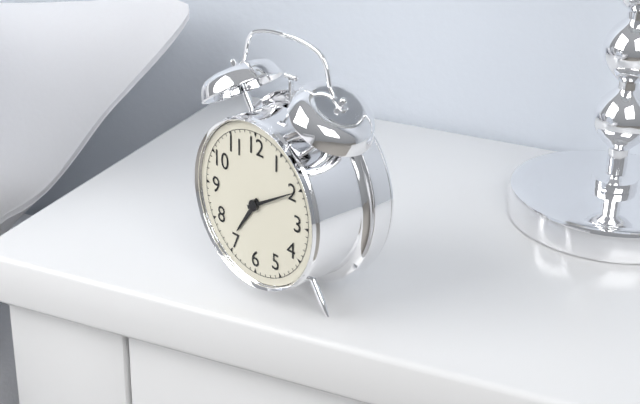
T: 7 h 10 min
